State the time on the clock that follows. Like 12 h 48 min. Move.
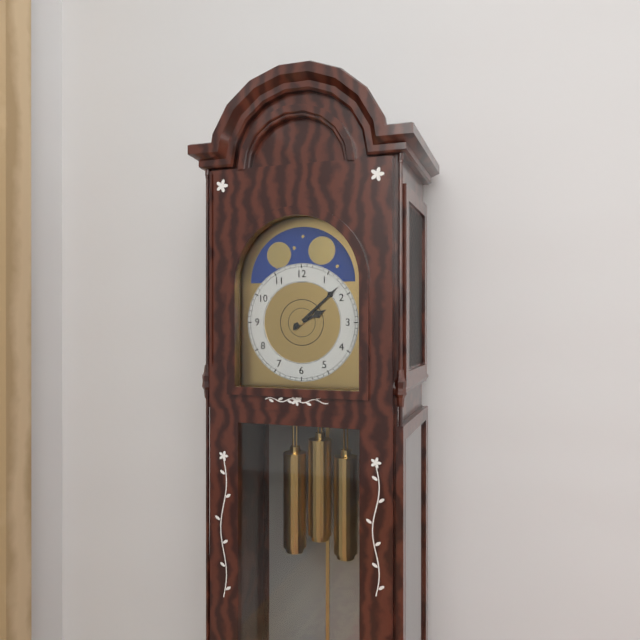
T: 2 h 08 min
